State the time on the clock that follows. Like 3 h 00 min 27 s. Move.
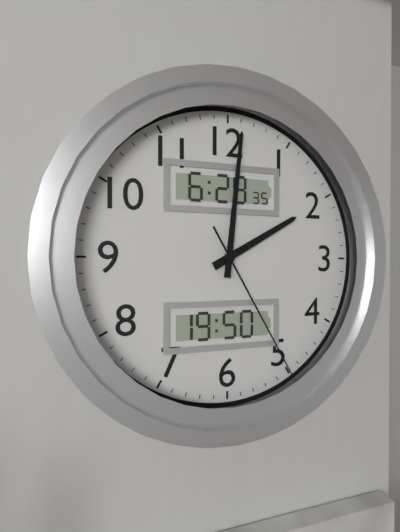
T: 2 h 01 min 25 s
